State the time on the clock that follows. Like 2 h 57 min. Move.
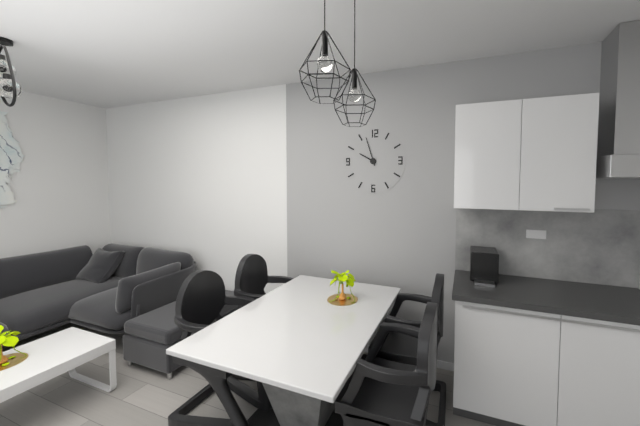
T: 9 h 57 min
